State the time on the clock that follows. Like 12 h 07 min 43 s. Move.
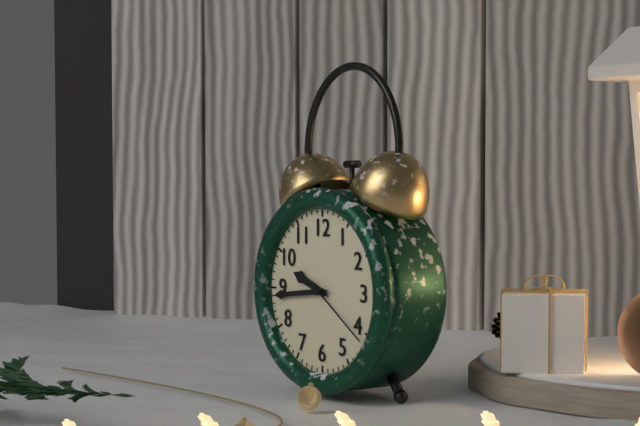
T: 9 h 44 min 21 s
